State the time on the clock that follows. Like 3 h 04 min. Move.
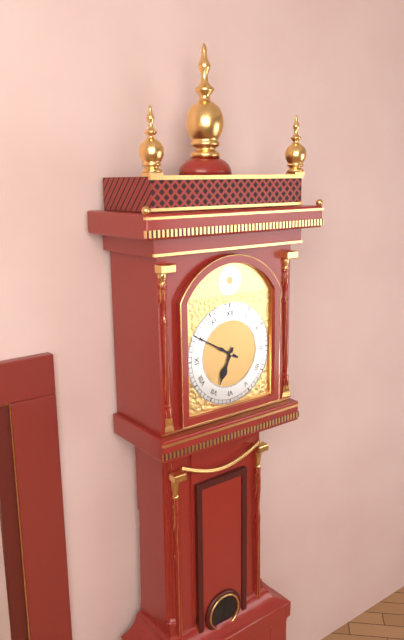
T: 6 h 50 min
